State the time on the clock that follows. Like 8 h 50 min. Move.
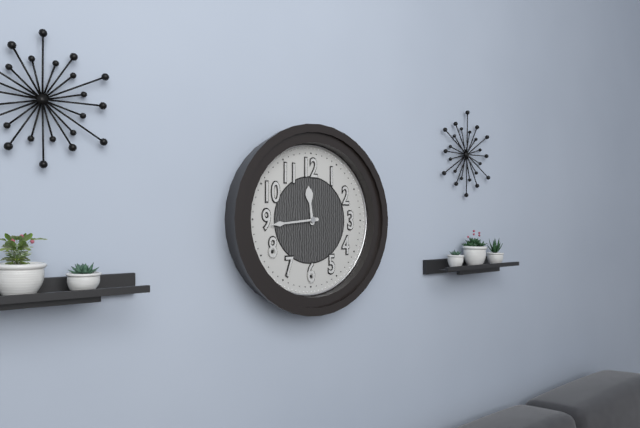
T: 11 h 44 min
